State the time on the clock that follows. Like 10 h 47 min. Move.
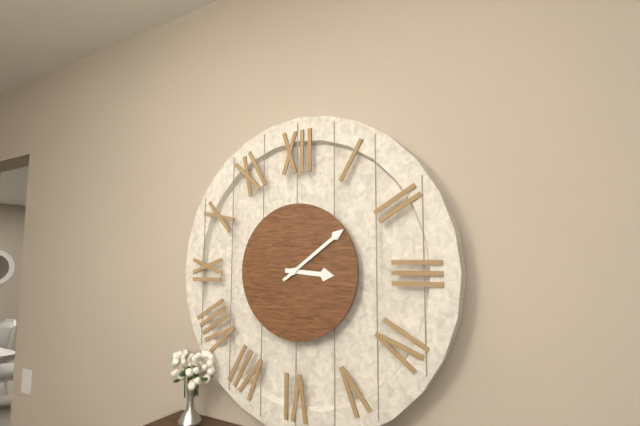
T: 3 h 09 min
